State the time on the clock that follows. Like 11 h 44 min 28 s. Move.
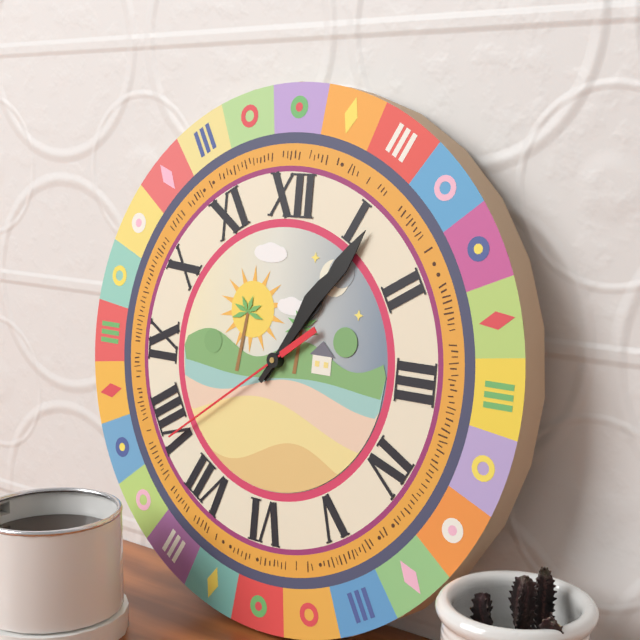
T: 1 h 06 min 39 s
